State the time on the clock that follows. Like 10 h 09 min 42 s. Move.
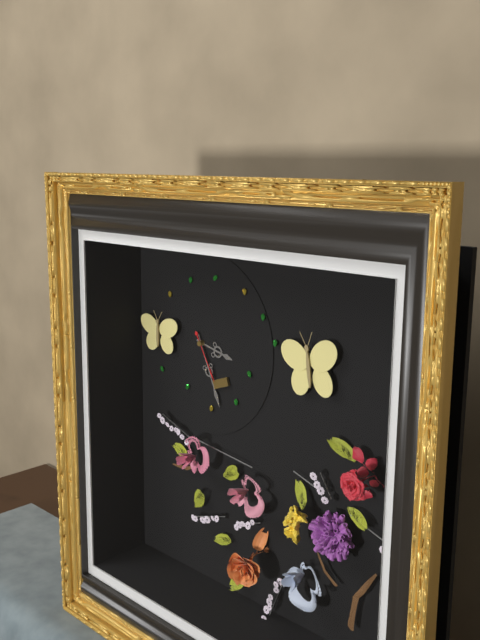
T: 3 h 26 min 25 s
